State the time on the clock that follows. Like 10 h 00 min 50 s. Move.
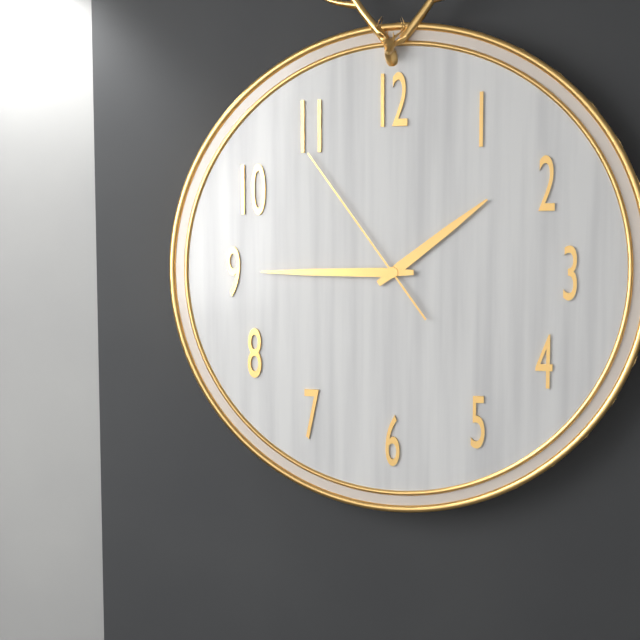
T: 1 h 45 min 54 s
